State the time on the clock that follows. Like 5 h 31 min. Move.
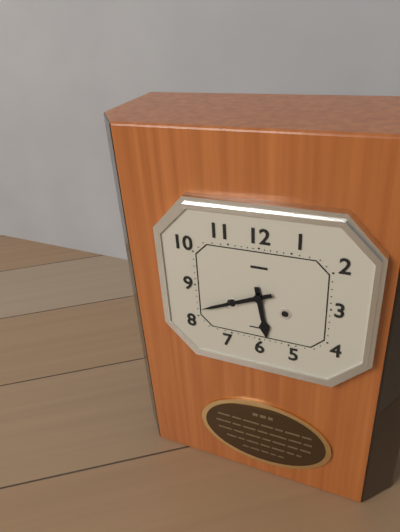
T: 5 h 41 min
